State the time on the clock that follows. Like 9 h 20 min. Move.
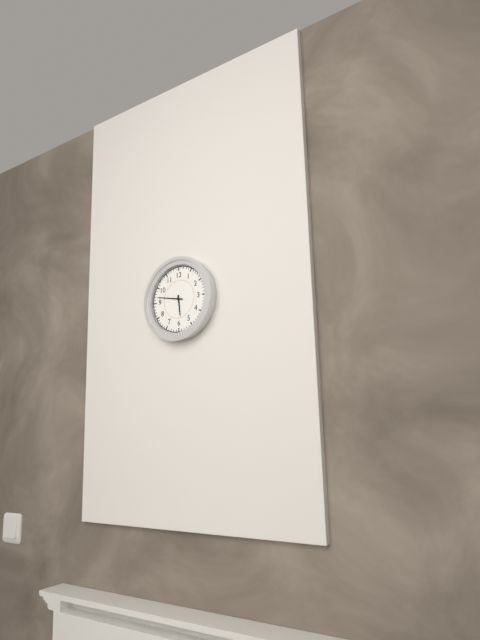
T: 5 h 47 min
